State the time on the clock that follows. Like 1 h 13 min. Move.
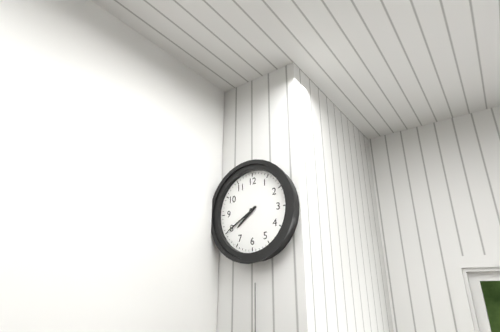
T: 7 h 40 min
